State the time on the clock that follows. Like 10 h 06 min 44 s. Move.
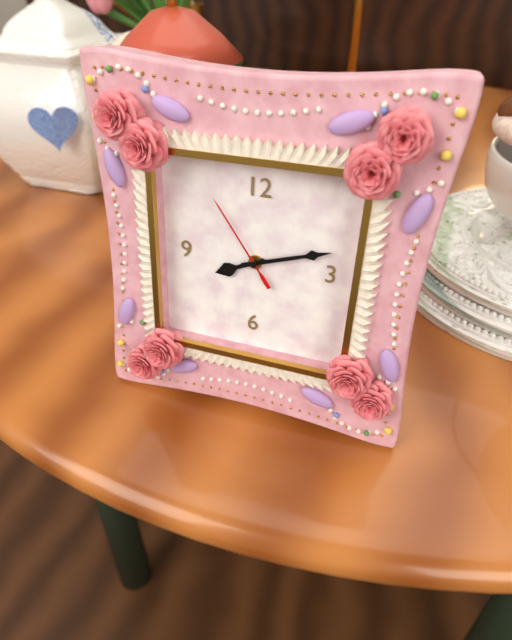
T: 8 h 12 min 54 s
